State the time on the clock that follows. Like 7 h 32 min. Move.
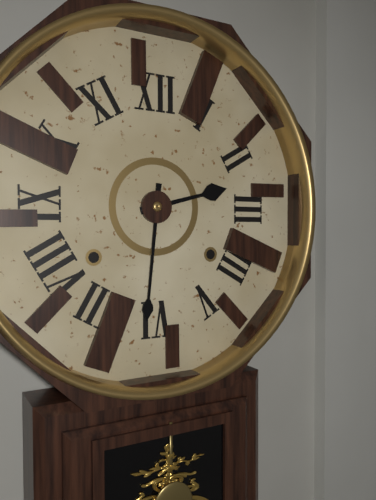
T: 2 h 31 min
